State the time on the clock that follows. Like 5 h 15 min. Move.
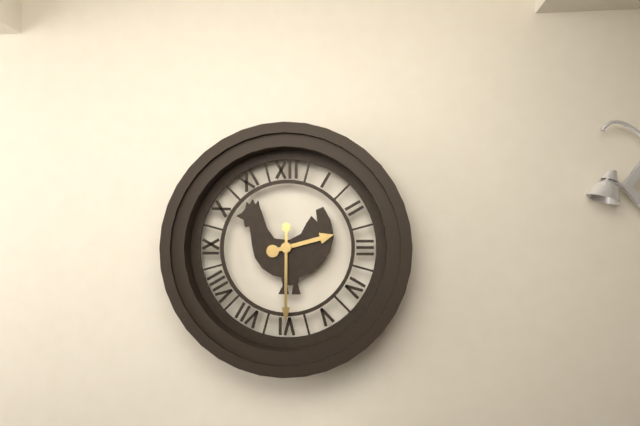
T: 2 h 30 min
